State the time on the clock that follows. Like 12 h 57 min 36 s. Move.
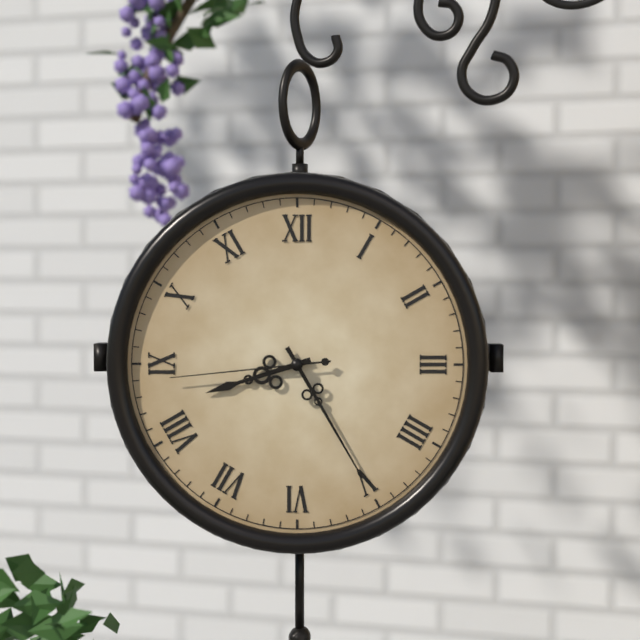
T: 8 h 25 min 44 s
